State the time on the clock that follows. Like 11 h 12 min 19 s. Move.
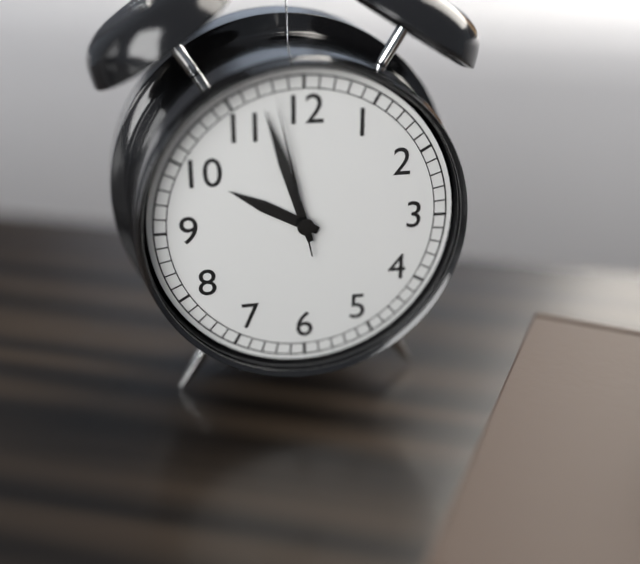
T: 9 h 57 min 58 s
